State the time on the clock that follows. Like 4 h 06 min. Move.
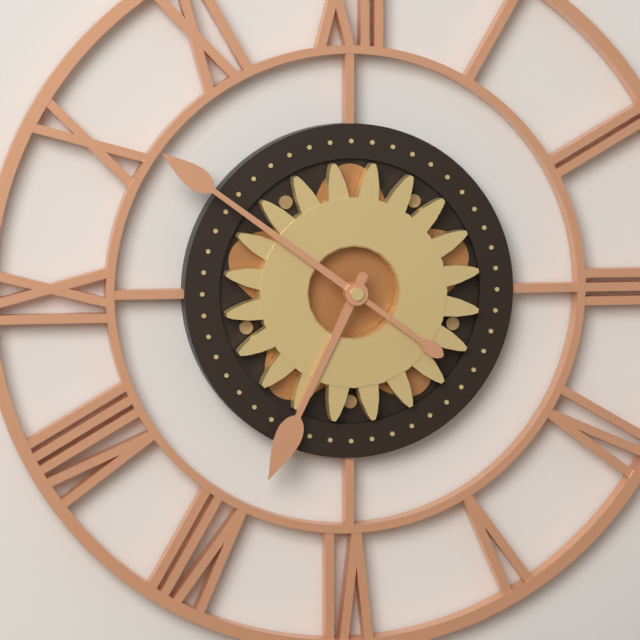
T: 6 h 51 min
